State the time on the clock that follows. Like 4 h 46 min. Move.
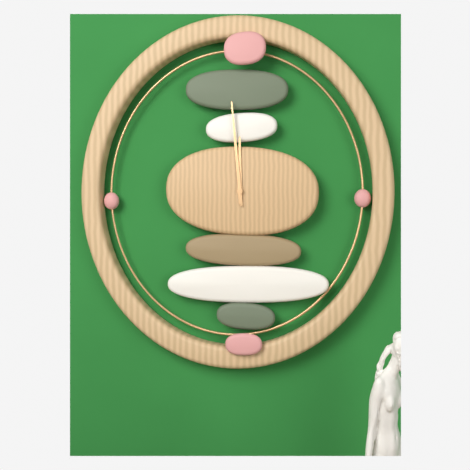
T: 11 h 59 min
